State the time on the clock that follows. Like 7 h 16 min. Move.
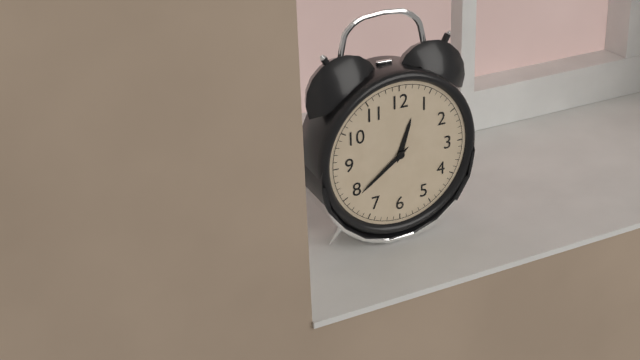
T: 12 h 39 min
